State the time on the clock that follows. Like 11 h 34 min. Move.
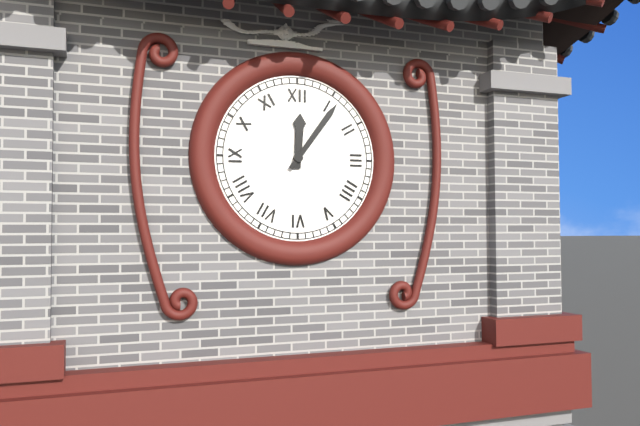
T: 12 h 06 min
